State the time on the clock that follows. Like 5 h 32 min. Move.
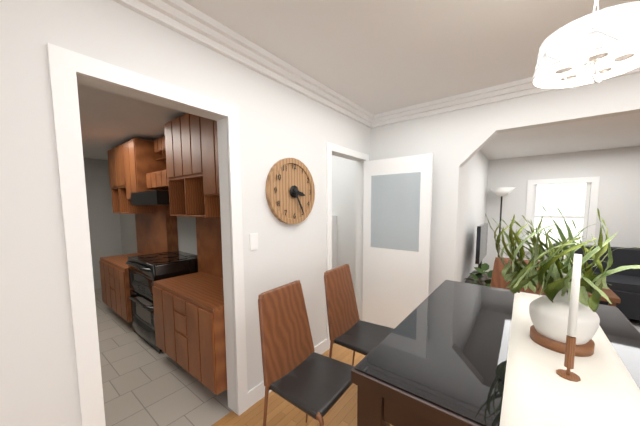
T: 3 h 25 min
